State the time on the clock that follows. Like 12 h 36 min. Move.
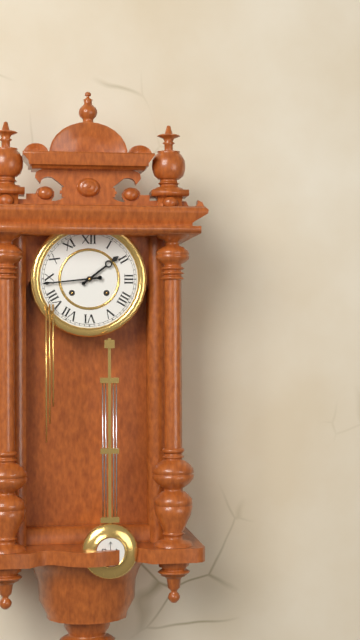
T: 1 h 44 min
